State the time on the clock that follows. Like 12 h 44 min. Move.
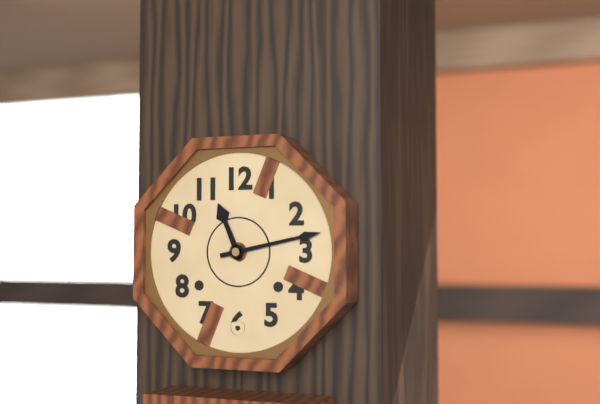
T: 11 h 13 min
